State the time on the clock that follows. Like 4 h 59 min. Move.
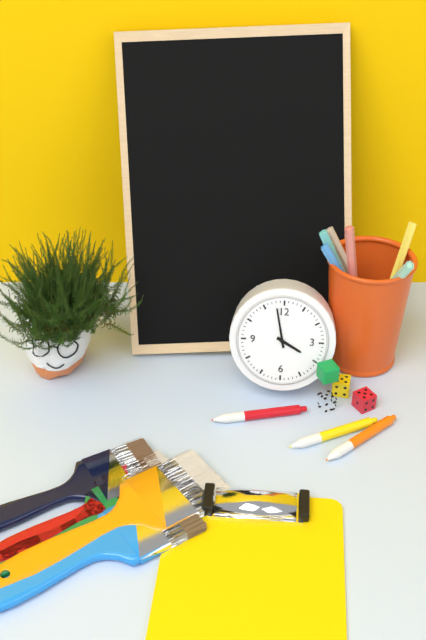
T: 3 h 58 min
